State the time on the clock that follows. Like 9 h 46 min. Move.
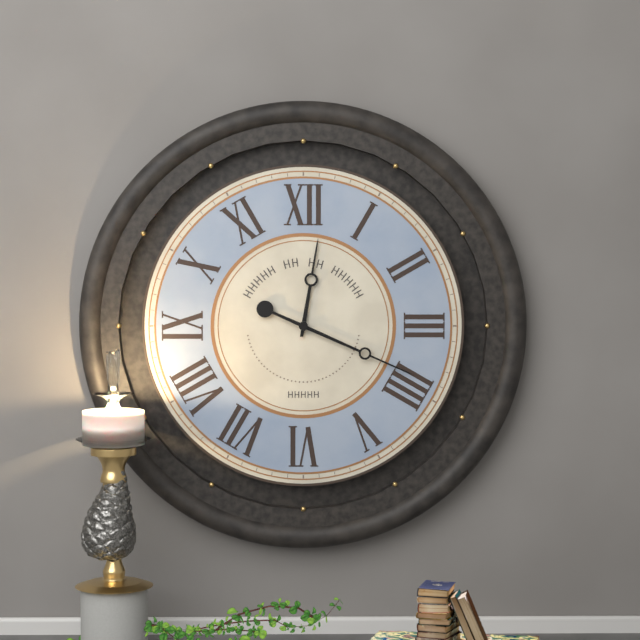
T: 12 h 19 min
